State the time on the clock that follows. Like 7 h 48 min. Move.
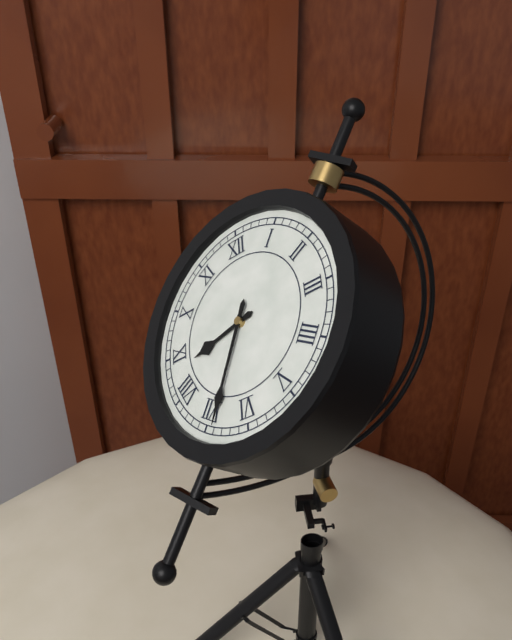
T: 8 h 34 min
